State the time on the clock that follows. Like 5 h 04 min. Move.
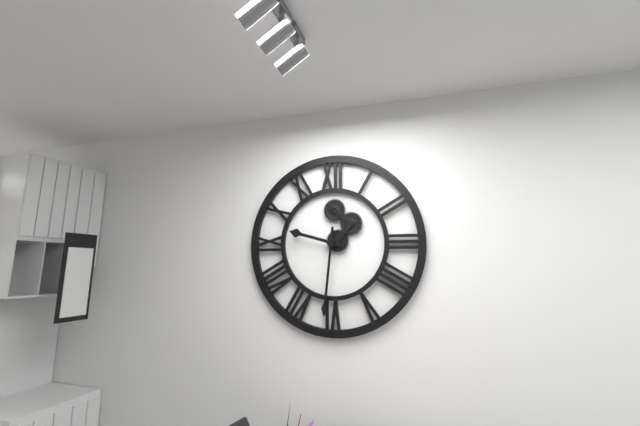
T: 9 h 31 min
